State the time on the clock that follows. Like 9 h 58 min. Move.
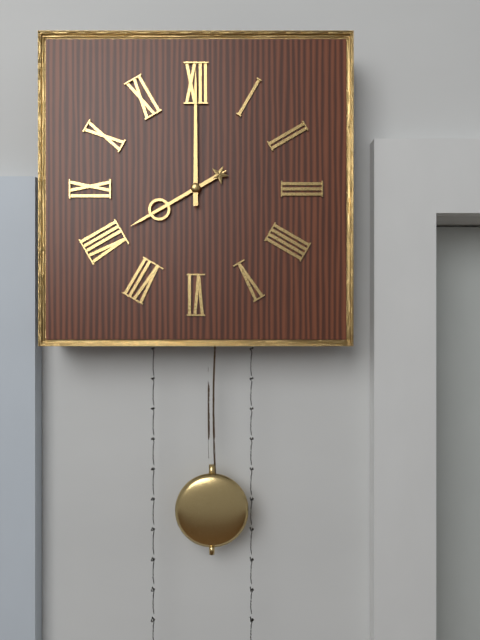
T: 8 h 00 min
